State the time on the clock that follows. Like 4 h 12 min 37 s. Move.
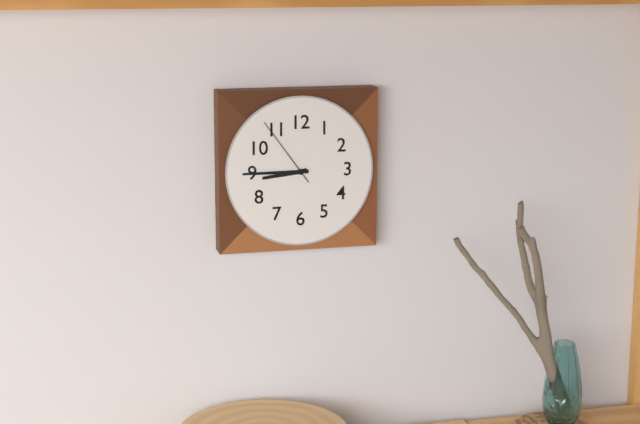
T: 8 h 45 min 54 s
